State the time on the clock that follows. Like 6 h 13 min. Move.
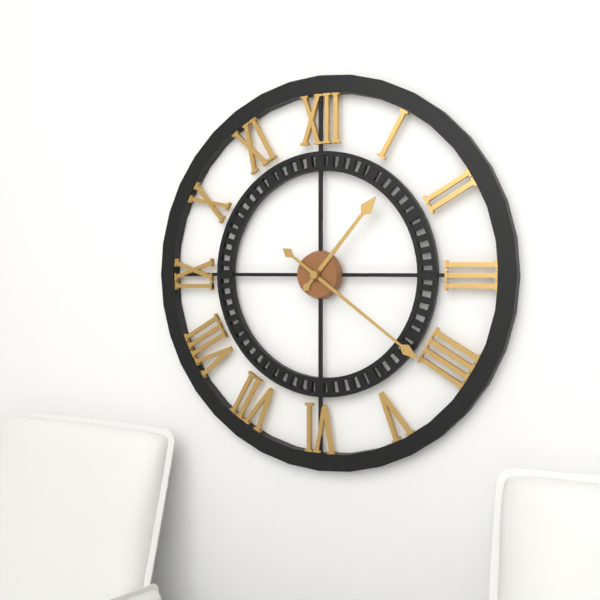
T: 1 h 21 min
